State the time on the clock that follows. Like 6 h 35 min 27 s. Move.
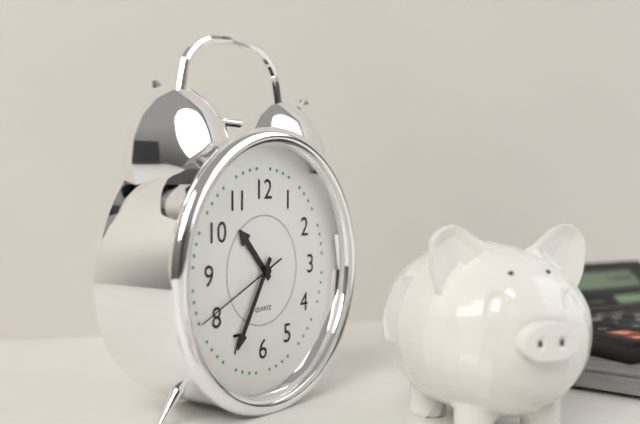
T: 10 h 35 min 41 s
